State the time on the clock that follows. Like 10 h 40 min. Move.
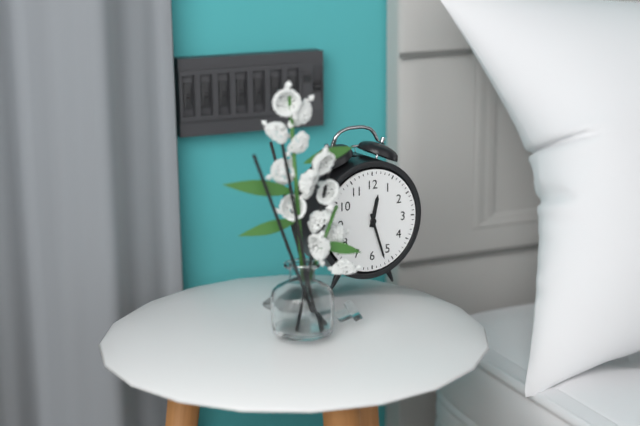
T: 12 h 27 min
